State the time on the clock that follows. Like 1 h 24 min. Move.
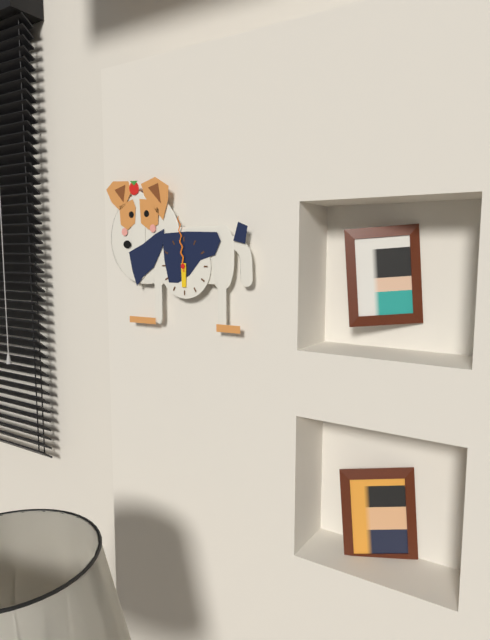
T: 5 h 59 min
